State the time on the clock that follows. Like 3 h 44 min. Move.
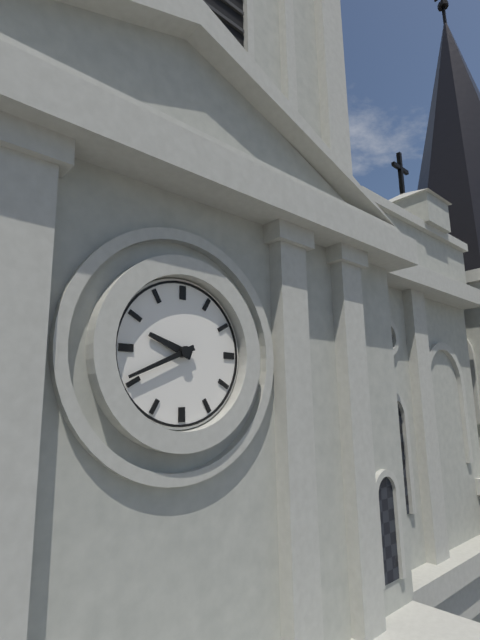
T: 9 h 41 min
